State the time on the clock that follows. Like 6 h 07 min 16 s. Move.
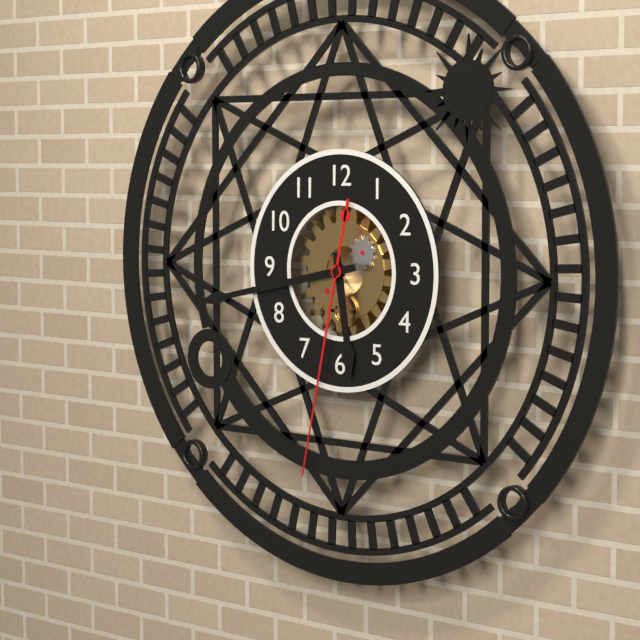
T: 5 h 43 min 32 s
